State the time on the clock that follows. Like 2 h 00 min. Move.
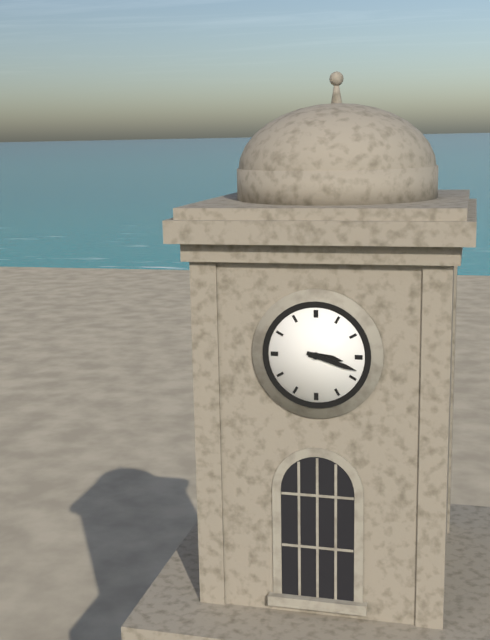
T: 3 h 18 min
